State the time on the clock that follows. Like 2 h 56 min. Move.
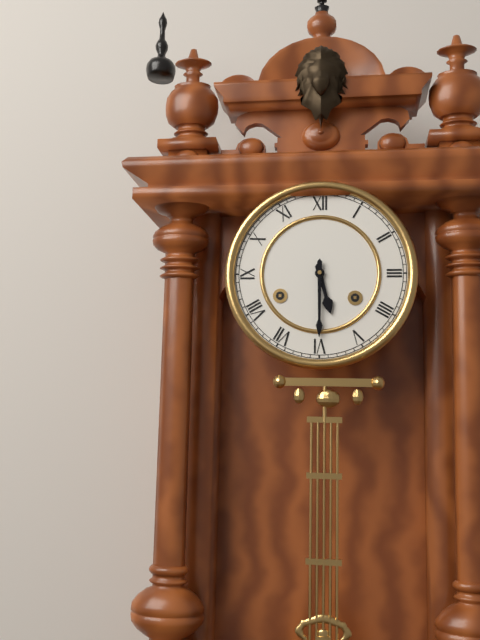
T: 5 h 30 min
